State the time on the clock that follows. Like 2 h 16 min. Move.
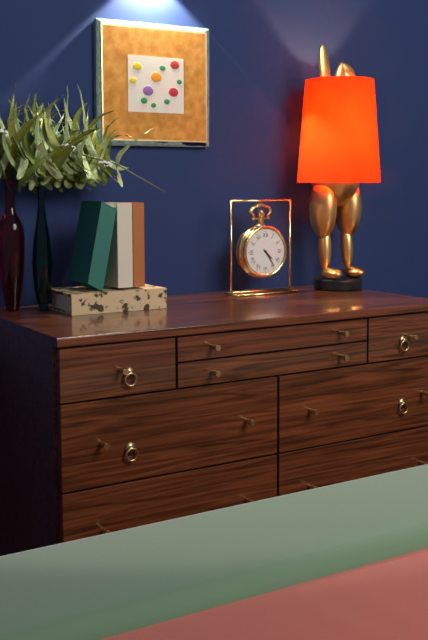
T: 4 h 24 min
